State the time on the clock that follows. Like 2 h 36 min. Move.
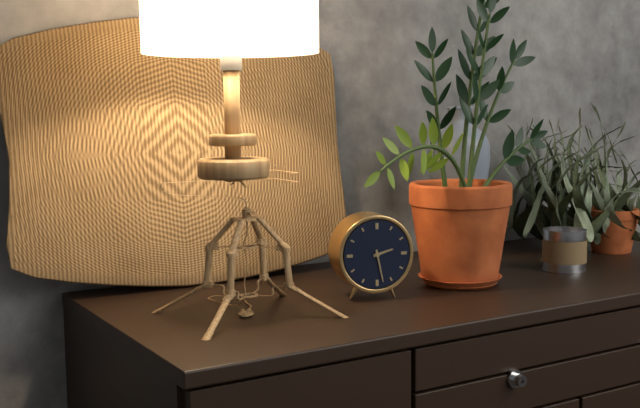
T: 2 h 28 min
